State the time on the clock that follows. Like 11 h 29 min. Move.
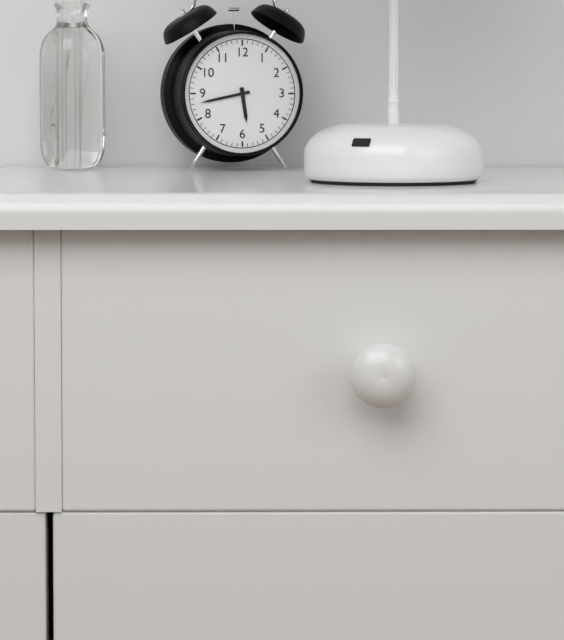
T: 5 h 43 min
